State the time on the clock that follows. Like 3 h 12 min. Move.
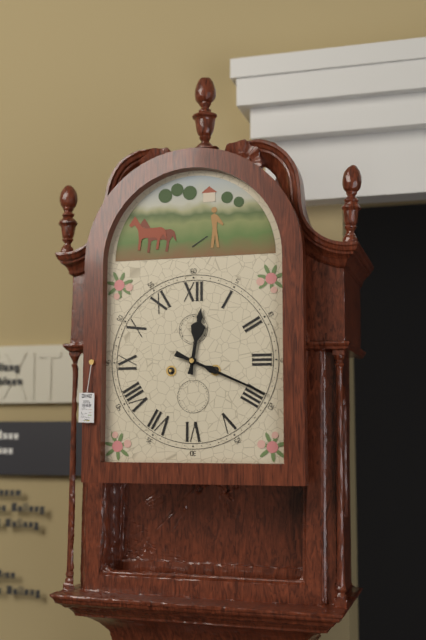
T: 12 h 19 min
